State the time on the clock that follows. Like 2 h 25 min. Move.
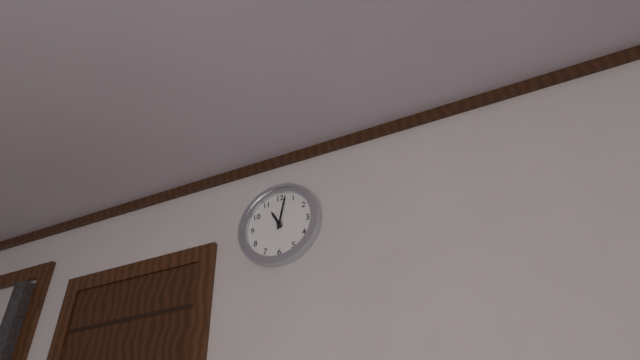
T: 11 h 02 min
